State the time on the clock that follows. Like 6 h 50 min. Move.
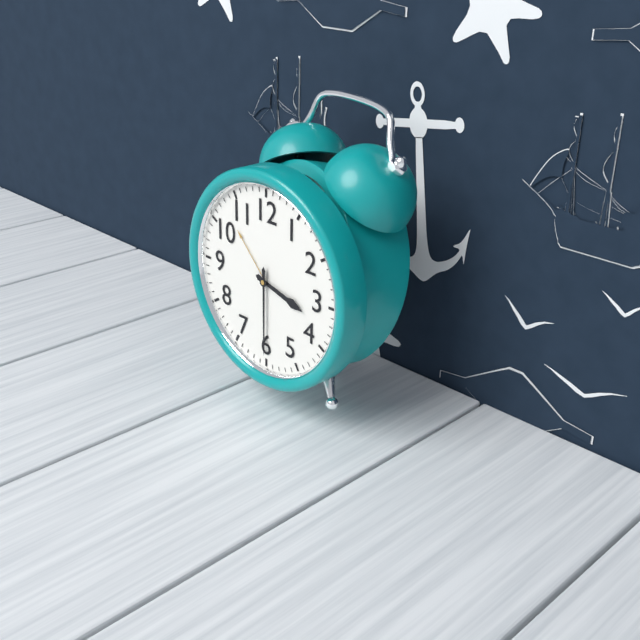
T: 3 h 30 min
